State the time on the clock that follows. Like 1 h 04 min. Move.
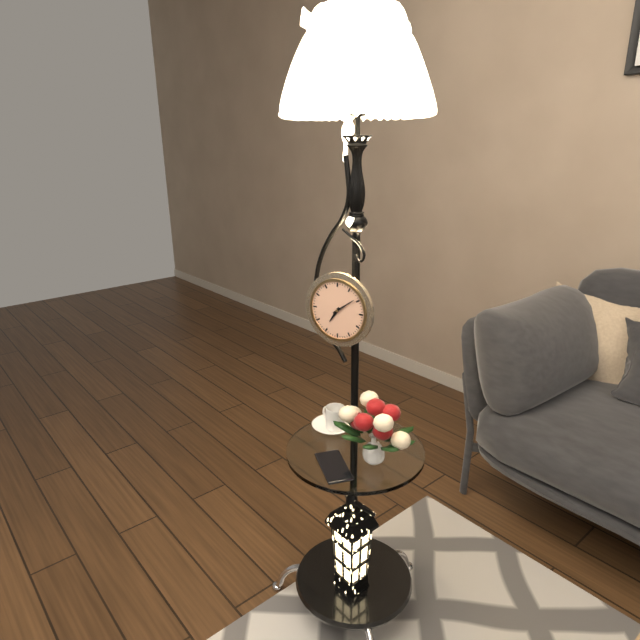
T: 7 h 09 min
